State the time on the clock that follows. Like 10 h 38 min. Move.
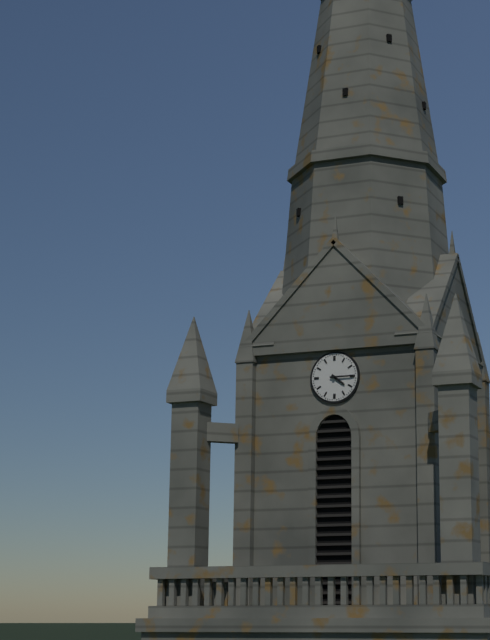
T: 4 h 15 min
